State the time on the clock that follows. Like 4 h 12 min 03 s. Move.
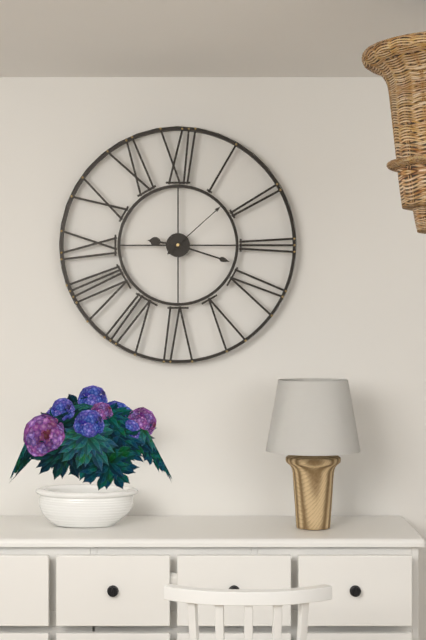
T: 9 h 18 min 08 s
